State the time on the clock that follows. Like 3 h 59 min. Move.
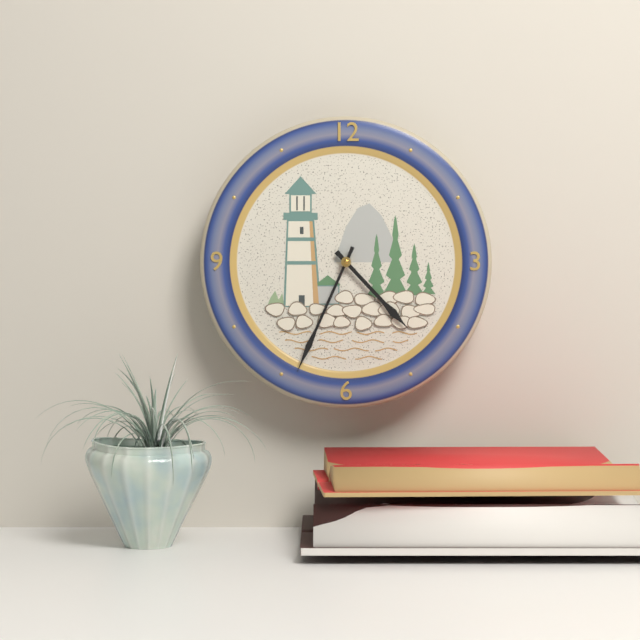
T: 4 h 34 min
